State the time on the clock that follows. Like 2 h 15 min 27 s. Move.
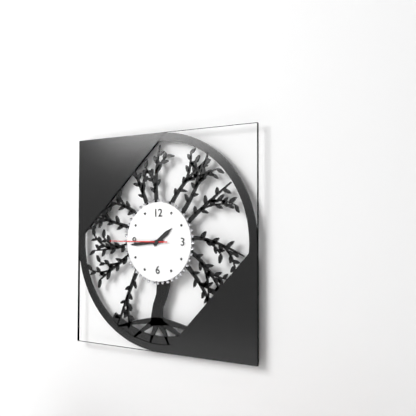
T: 1 h 44 min 45 s
